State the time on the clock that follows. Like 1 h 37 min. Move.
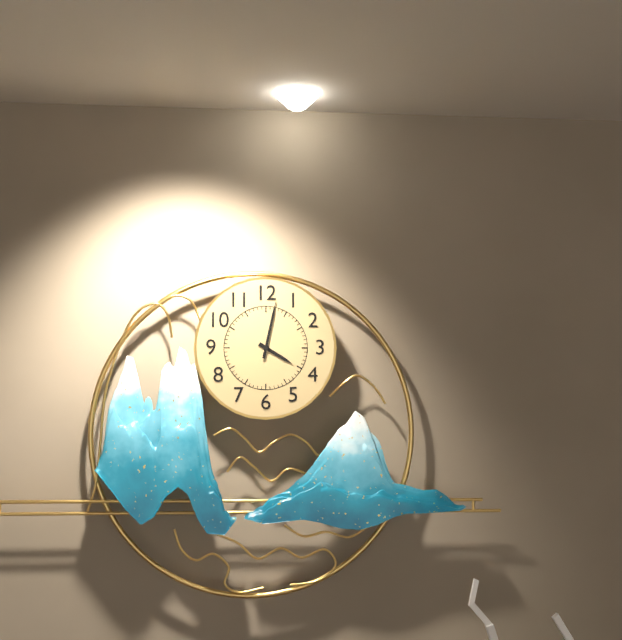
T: 4 h 02 min
